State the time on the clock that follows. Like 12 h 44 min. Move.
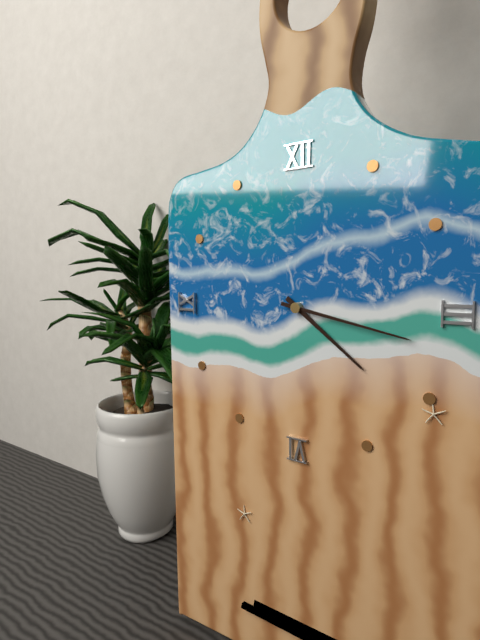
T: 4 h 17 min
